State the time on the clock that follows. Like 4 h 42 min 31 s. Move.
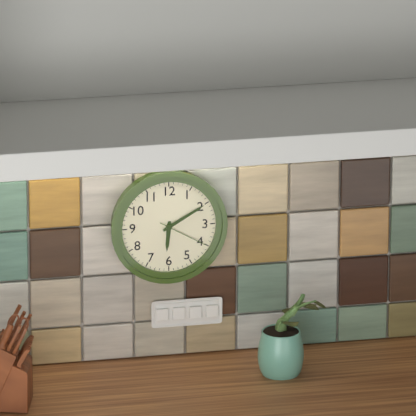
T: 6 h 10 min 20 s
